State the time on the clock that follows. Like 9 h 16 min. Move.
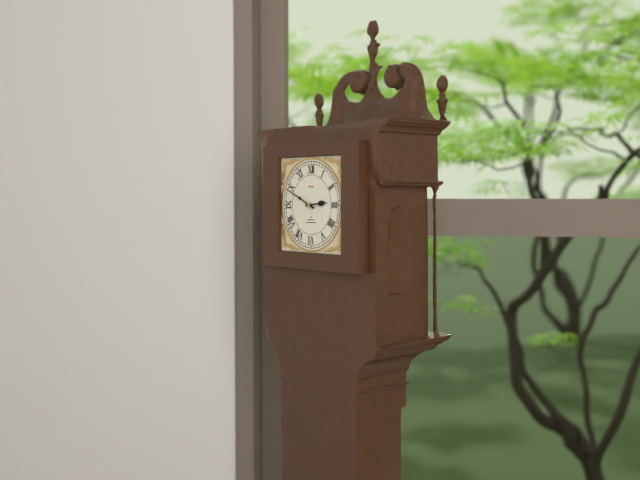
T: 2 h 49 min
